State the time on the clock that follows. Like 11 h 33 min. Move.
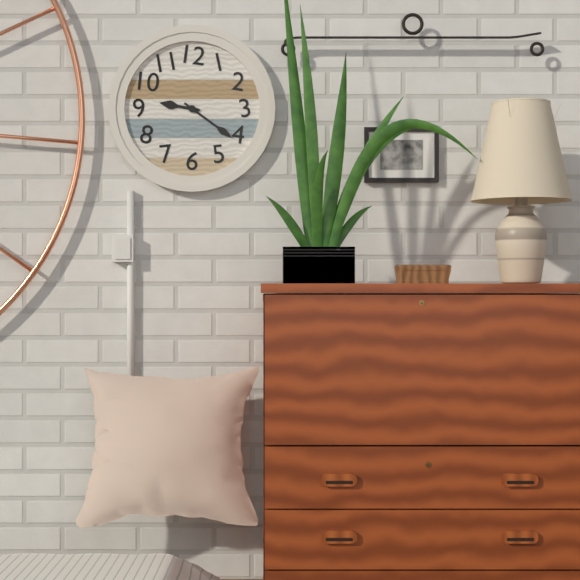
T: 9 h 21 min
